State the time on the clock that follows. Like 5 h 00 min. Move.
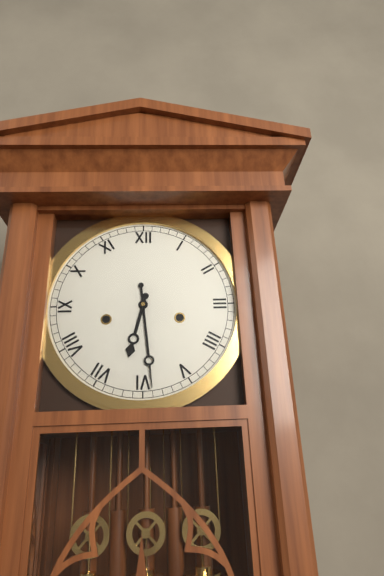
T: 6 h 29 min
